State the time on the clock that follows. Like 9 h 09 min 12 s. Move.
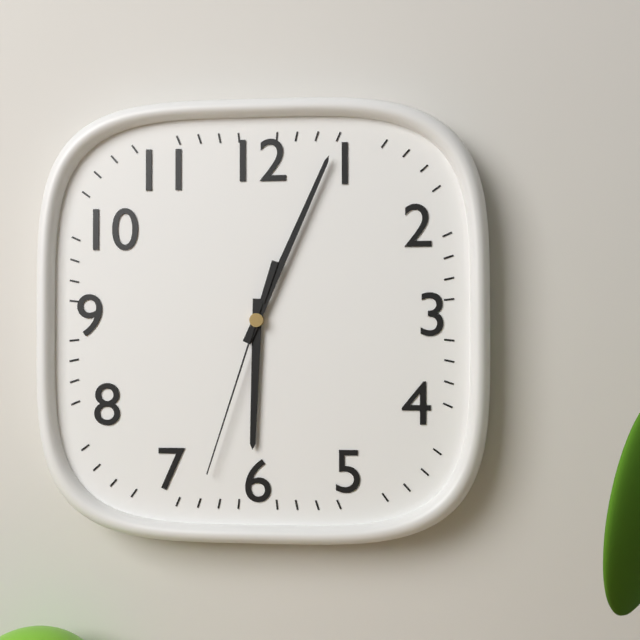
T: 6 h 04 min 33 s
